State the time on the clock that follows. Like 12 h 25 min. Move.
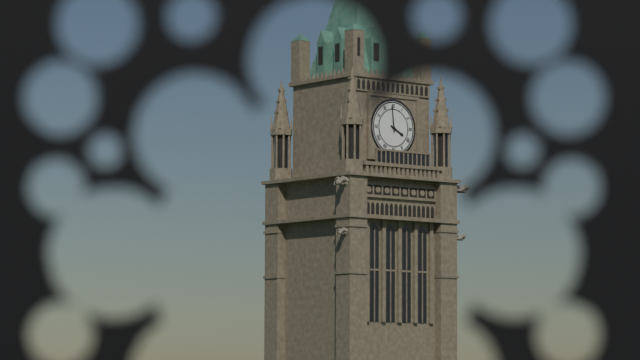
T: 3 h 59 min
